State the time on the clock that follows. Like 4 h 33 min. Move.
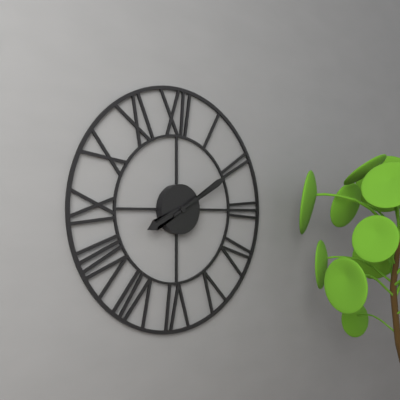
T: 8 h 10 min
